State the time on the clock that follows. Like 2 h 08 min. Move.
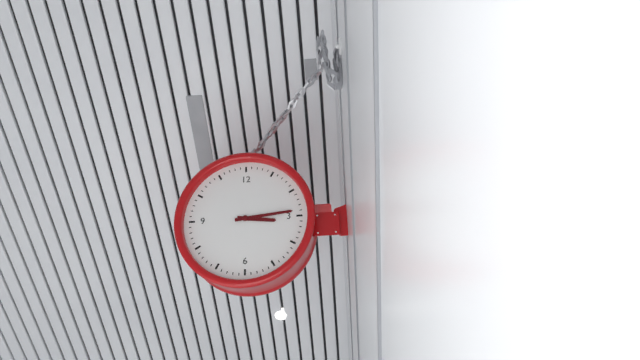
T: 3 h 14 min
